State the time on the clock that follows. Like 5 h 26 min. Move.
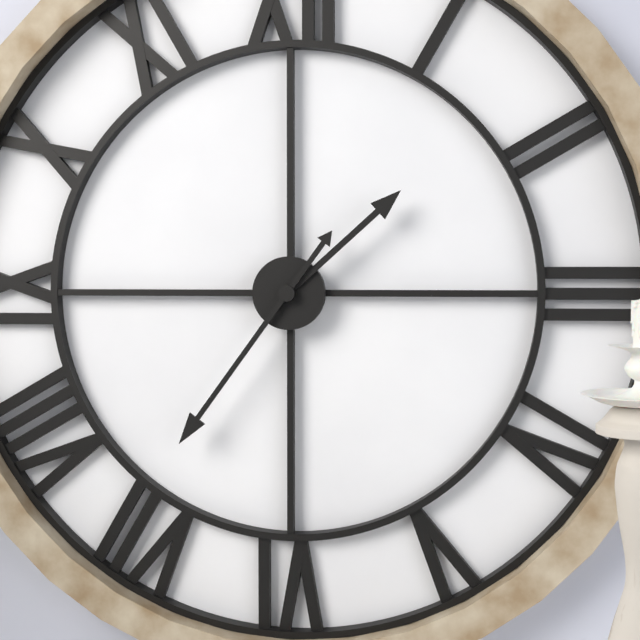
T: 1 h 36 min
